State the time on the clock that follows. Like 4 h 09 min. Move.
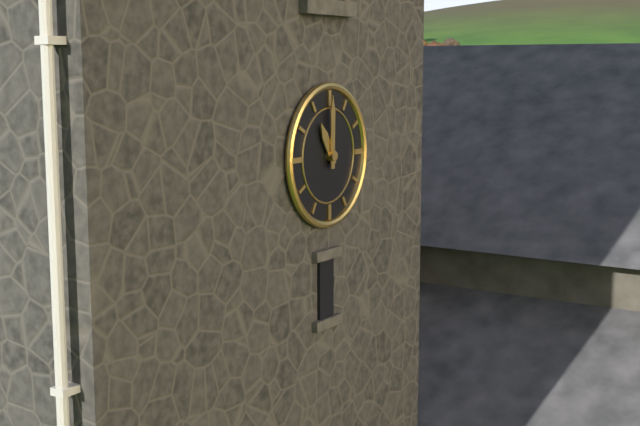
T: 11 h 00 min
